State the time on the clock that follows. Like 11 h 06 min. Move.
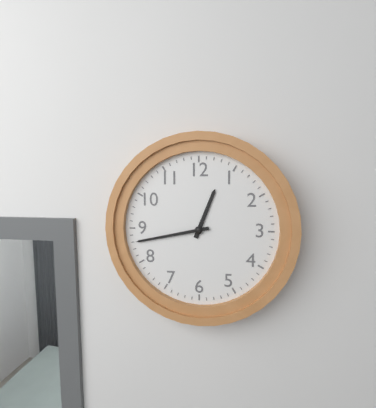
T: 12 h 43 min
